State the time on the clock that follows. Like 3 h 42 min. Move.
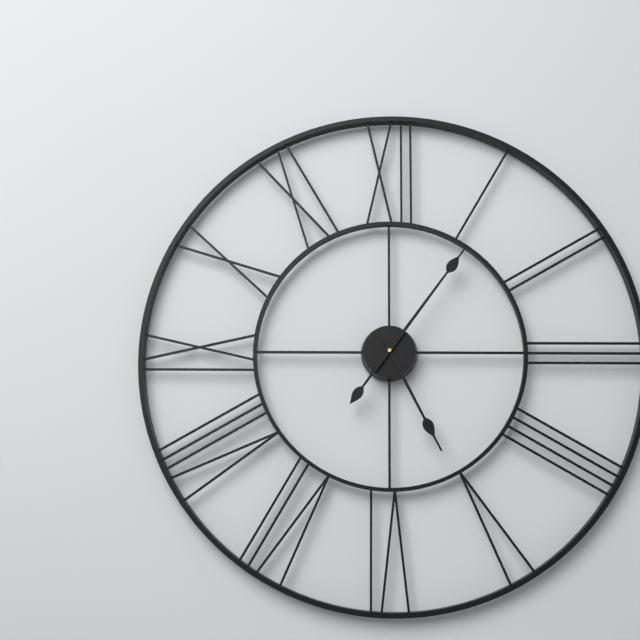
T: 5 h 06 min
